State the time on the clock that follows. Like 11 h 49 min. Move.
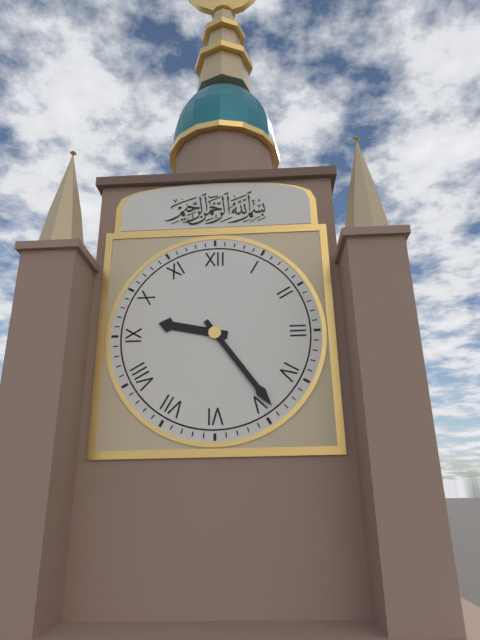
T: 9 h 24 min
